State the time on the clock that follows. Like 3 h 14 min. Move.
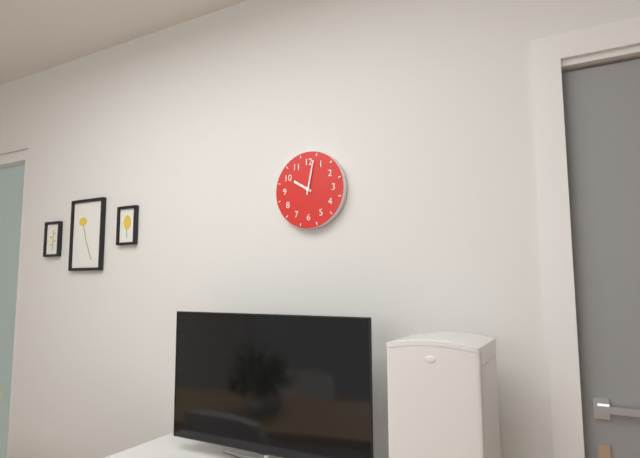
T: 10 h 02 min
